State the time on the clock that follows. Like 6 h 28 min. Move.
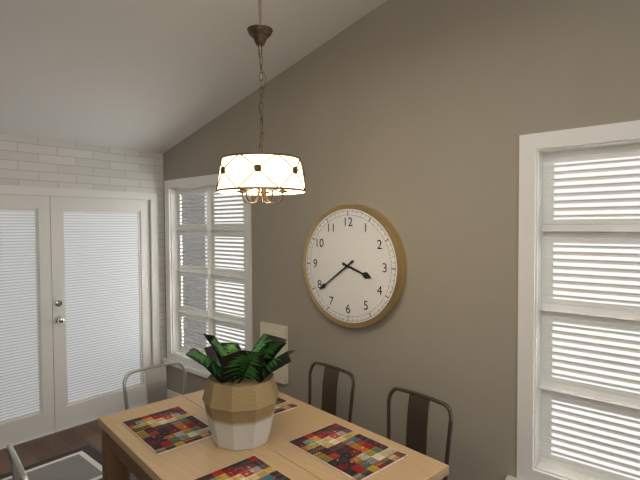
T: 3 h 39 min
